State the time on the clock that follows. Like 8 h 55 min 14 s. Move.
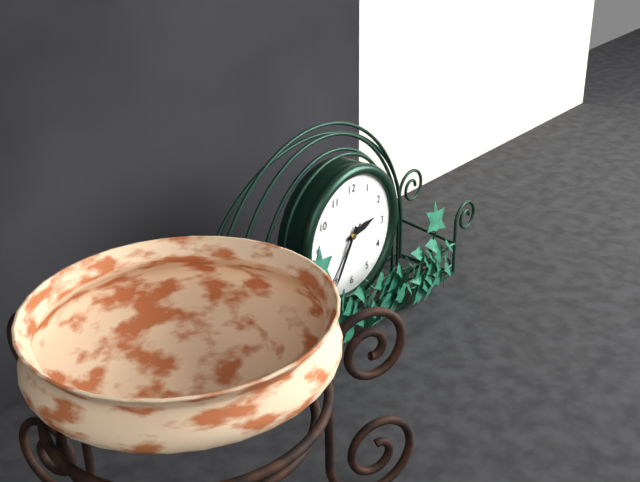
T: 2 h 35 min 37 s
